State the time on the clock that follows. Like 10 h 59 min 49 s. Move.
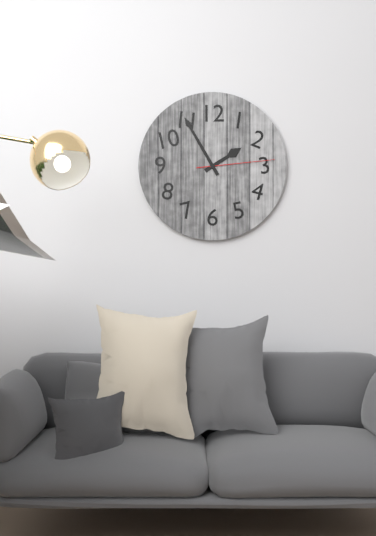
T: 1 h 55 min 14 s
